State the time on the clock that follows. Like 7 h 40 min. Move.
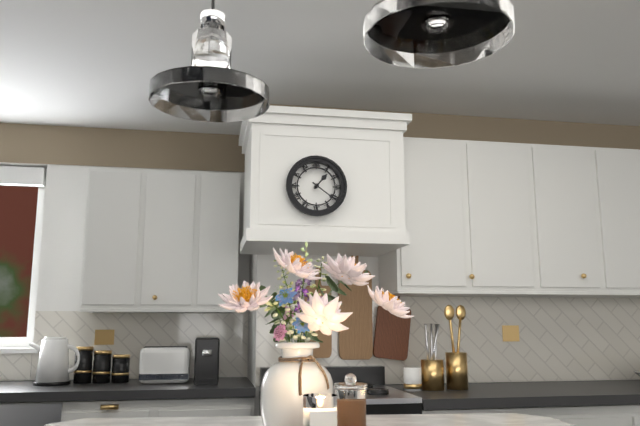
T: 1 h 21 min
